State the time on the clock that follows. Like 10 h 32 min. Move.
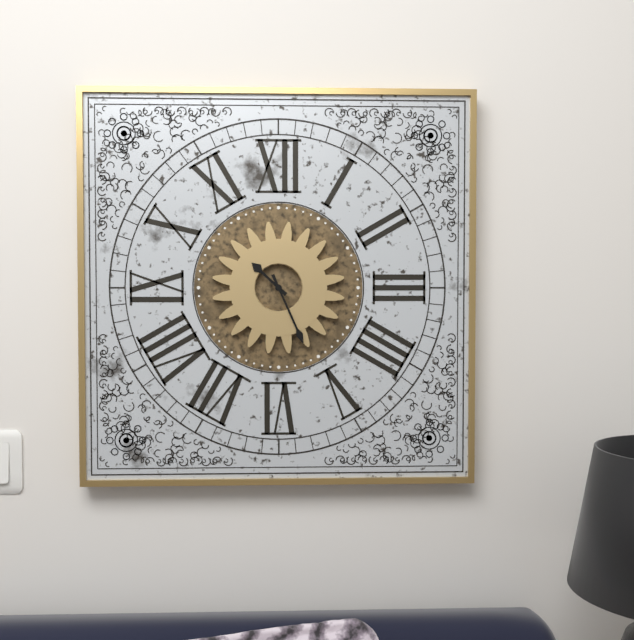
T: 10 h 26 min
